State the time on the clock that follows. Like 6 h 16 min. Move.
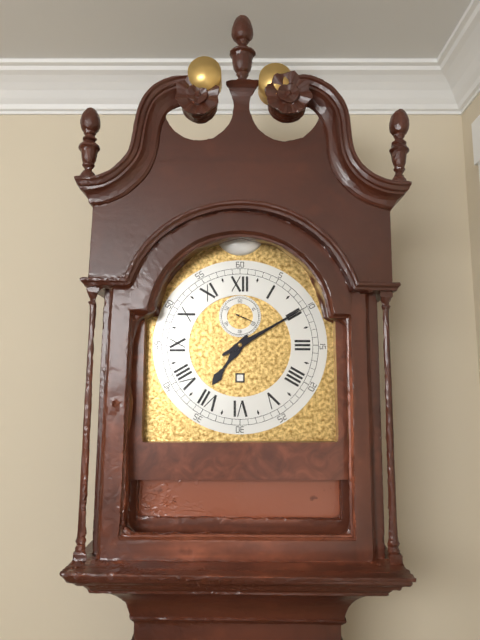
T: 7 h 10 min
